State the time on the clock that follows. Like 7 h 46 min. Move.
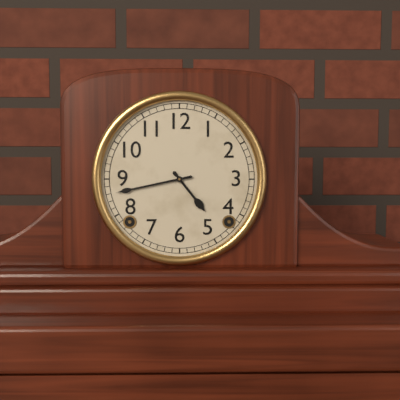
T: 4 h 43 min
